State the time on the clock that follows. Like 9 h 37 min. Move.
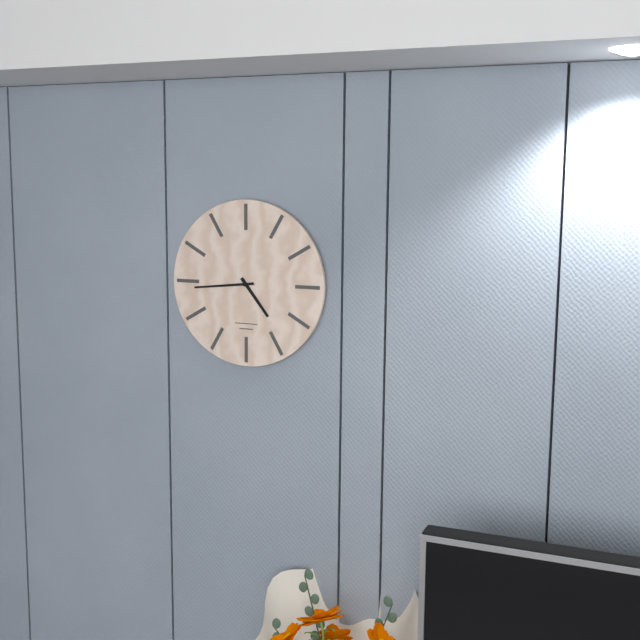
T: 4 h 44 min
